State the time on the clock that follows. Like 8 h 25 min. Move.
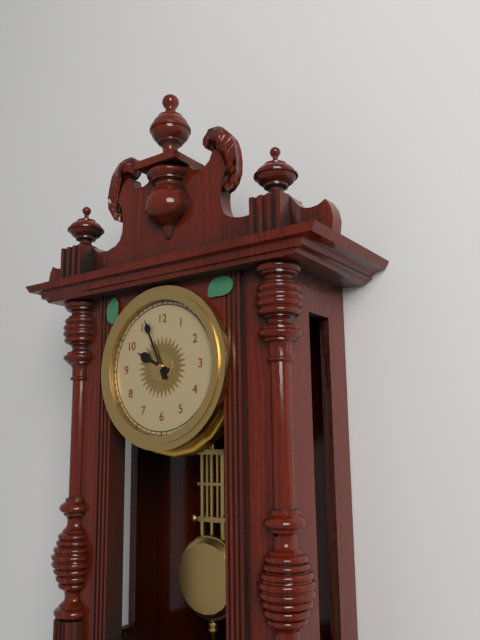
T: 9 h 56 min
